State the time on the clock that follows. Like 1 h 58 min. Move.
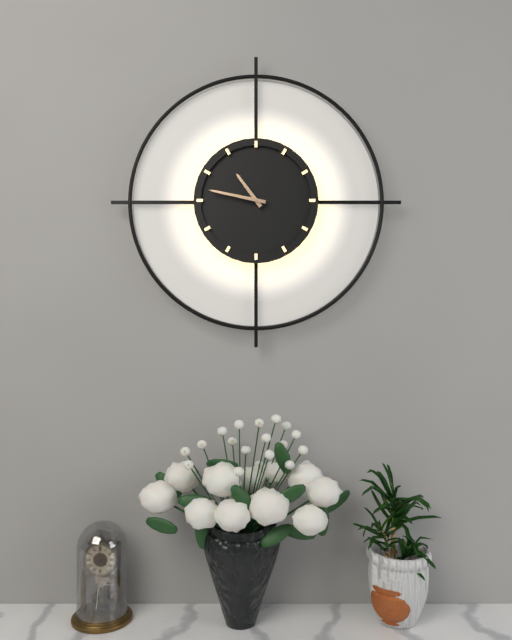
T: 10 h 47 min
